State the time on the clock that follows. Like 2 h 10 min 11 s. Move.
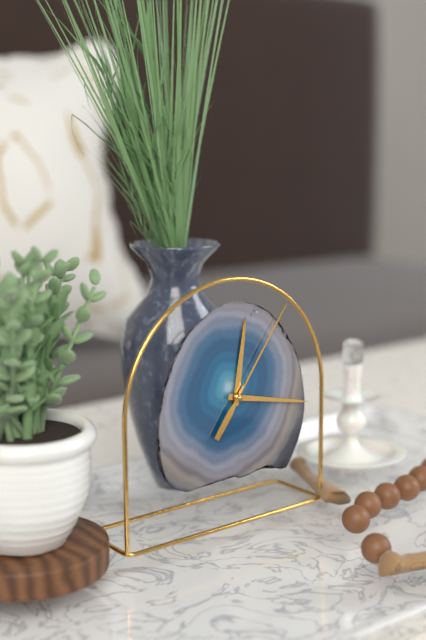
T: 12 h 17 min 06 s
